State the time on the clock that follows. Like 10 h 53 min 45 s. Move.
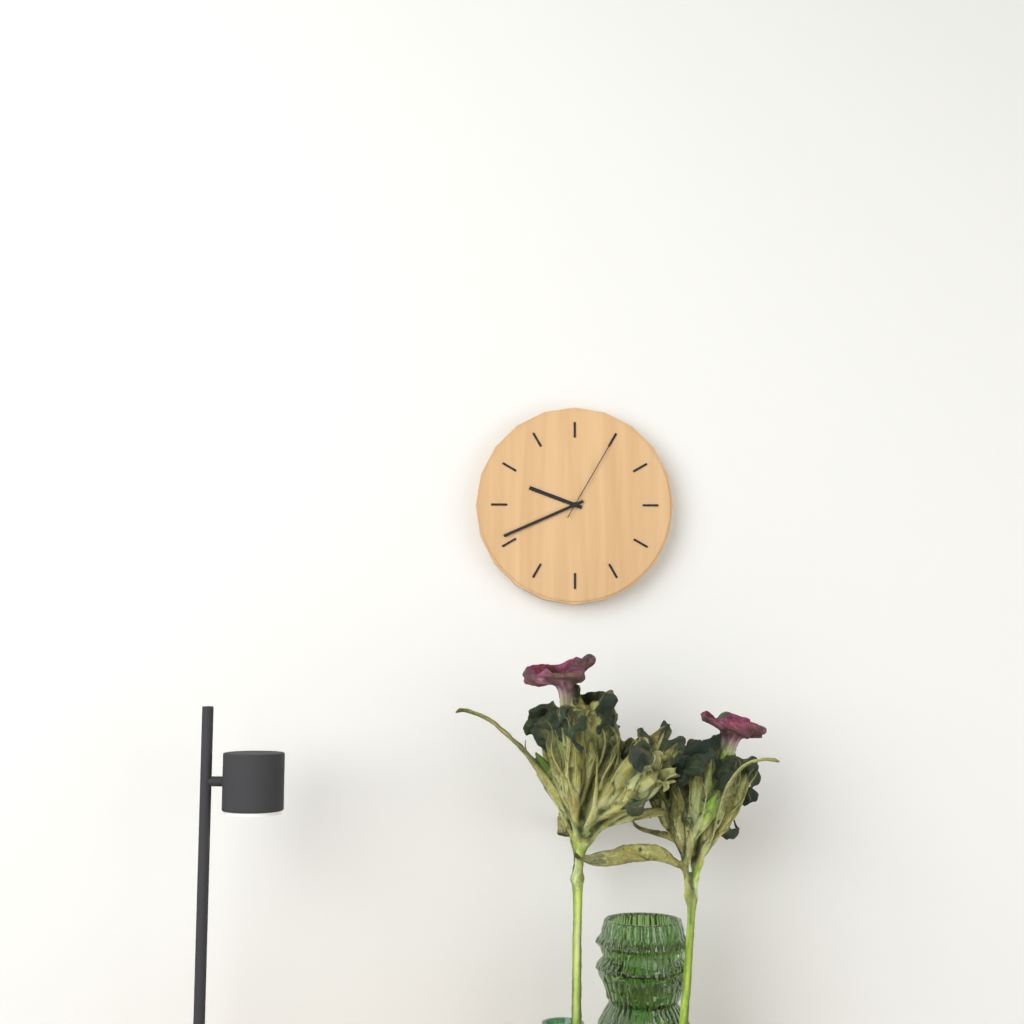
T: 9 h 41 min 05 s
